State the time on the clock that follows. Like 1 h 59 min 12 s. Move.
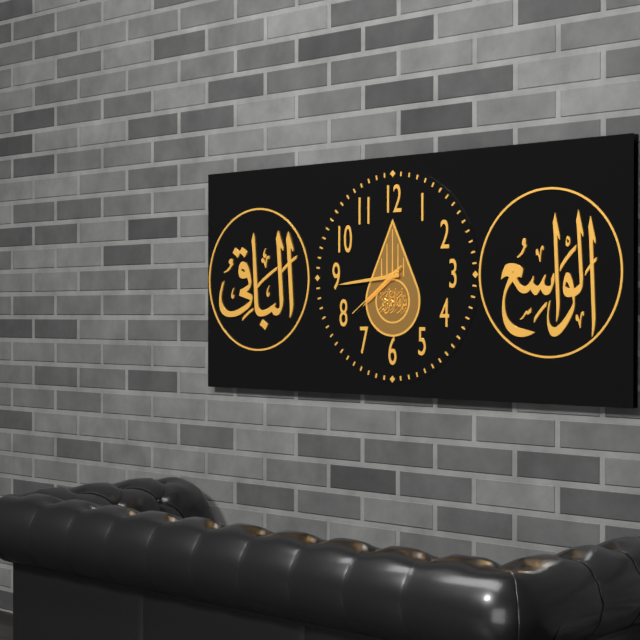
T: 7 h 44 min 39 s
